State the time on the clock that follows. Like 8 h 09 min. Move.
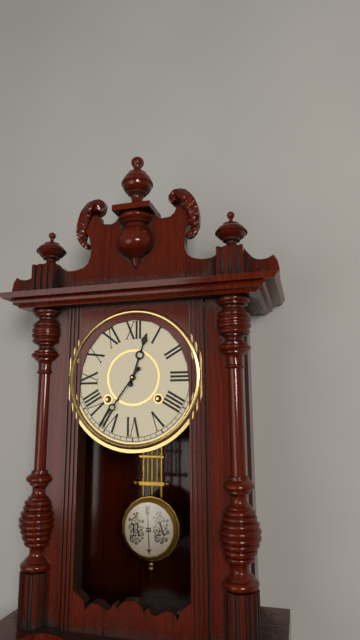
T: 12 h 36 min
